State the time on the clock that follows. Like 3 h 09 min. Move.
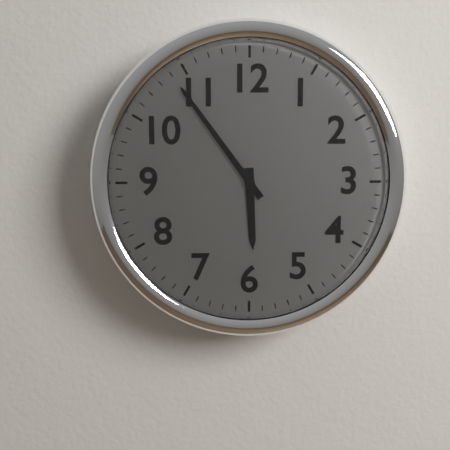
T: 5 h 54 min
